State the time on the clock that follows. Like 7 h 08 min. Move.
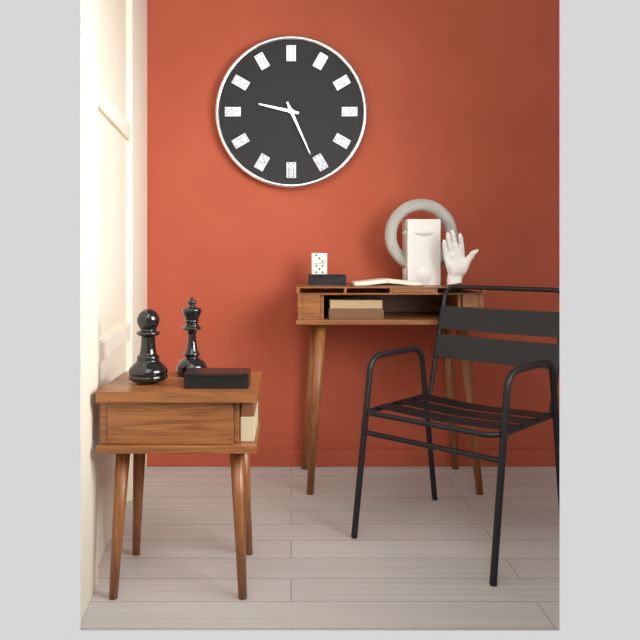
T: 9 h 26 min
